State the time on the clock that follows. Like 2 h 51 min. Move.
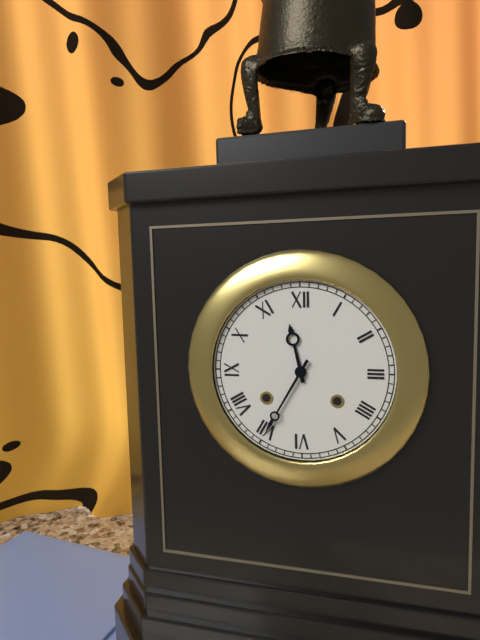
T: 11 h 35 min
